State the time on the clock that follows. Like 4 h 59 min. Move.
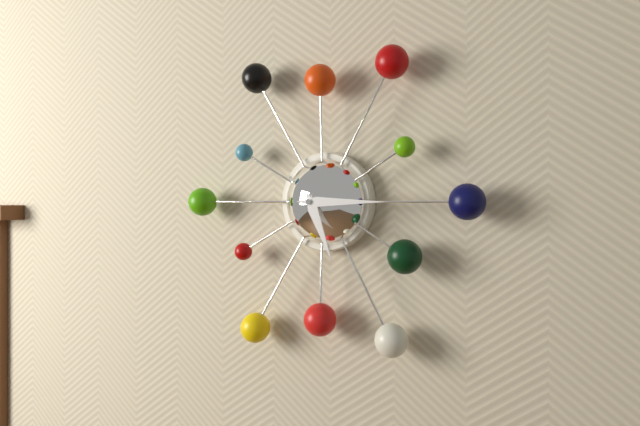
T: 5 h 15 min
